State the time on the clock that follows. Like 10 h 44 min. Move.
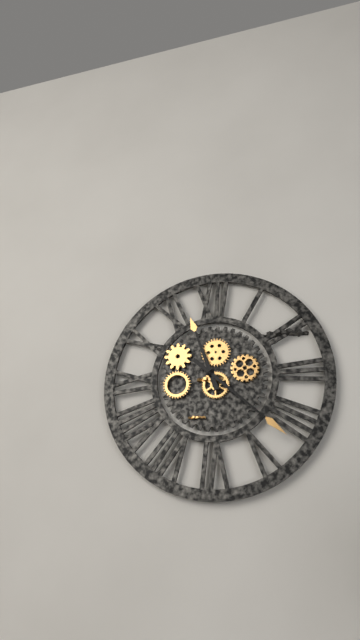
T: 11 h 22 min
